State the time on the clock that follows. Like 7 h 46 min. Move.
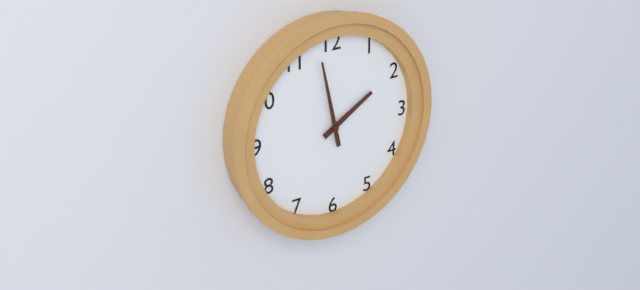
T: 1 h 58 min
